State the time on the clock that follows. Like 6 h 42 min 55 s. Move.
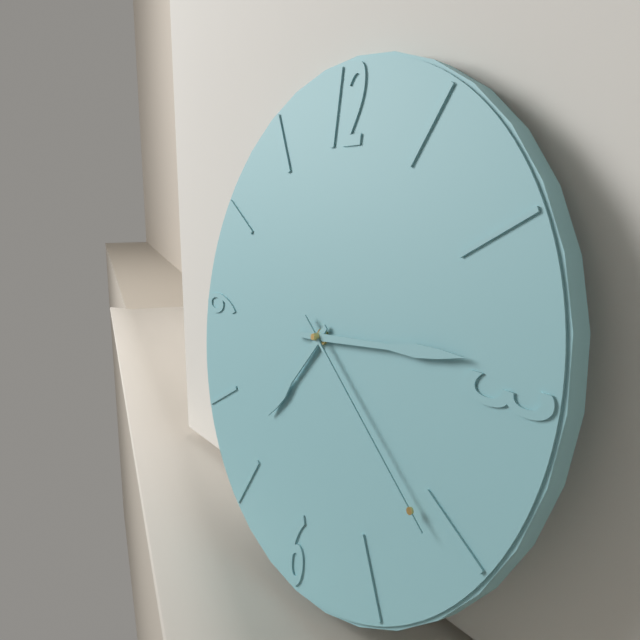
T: 7 h 14 min 21 s
